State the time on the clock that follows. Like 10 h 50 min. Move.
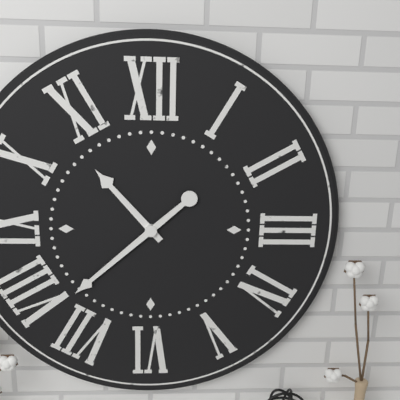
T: 10 h 38 min
